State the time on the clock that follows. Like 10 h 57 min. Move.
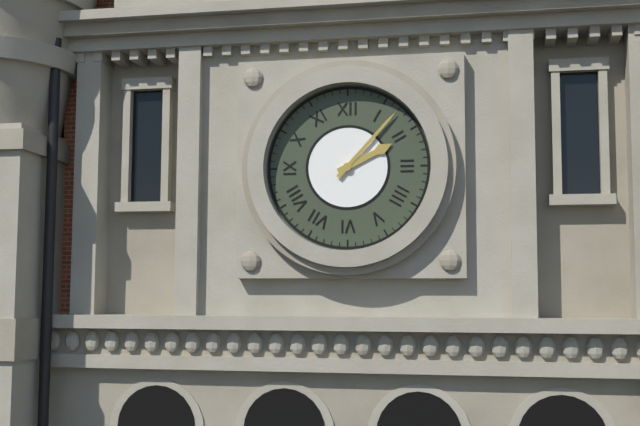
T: 2 h 07 min
